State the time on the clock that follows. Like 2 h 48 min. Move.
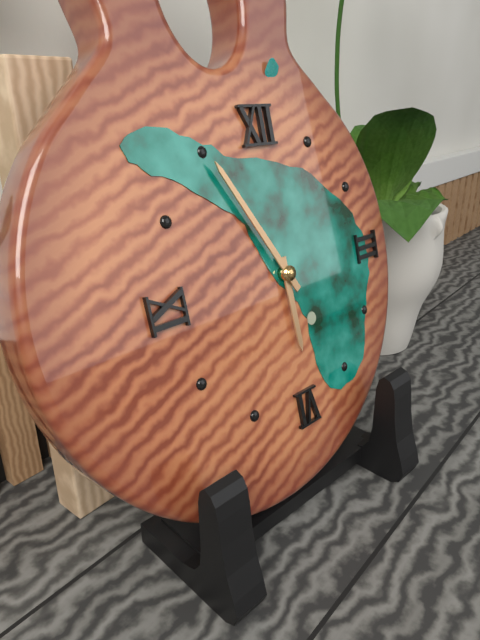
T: 5 h 55 min
